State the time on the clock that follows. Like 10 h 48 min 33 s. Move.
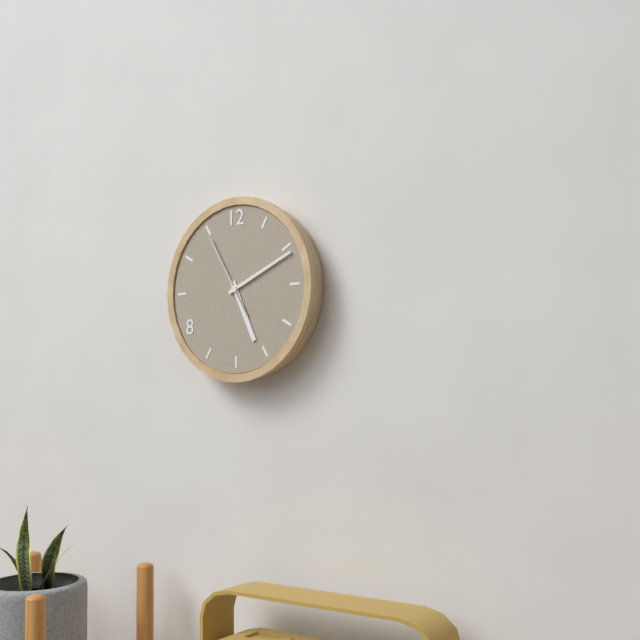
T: 5 h 11 min 55 s
